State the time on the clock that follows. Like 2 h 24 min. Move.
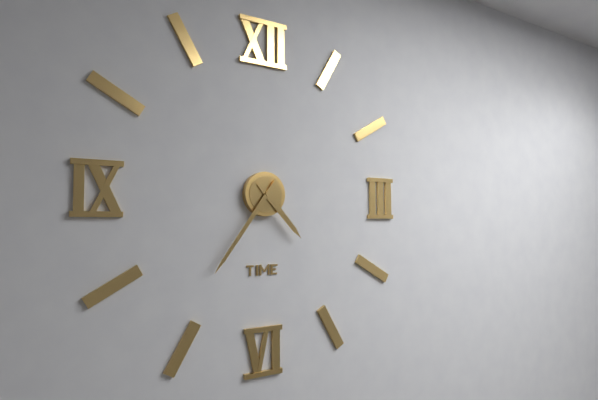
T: 4 h 36 min
